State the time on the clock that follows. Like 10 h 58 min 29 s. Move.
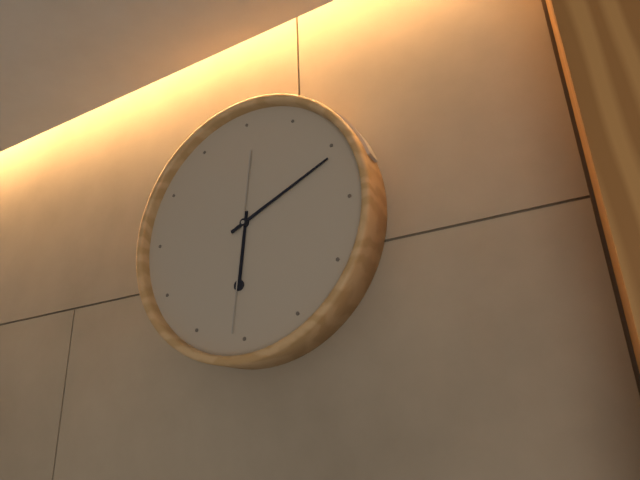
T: 6 h 11 min 31 s
